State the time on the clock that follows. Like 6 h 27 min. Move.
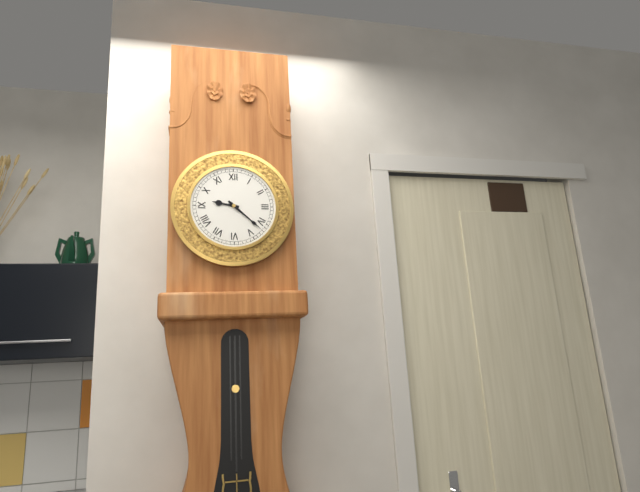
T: 9 h 22 min
